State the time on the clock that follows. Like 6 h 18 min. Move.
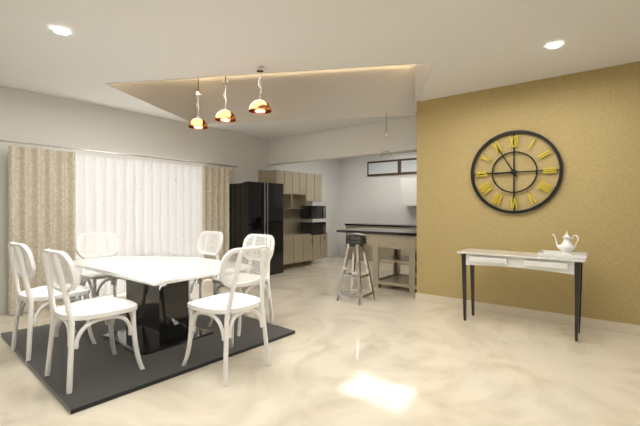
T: 8 h 55 min
